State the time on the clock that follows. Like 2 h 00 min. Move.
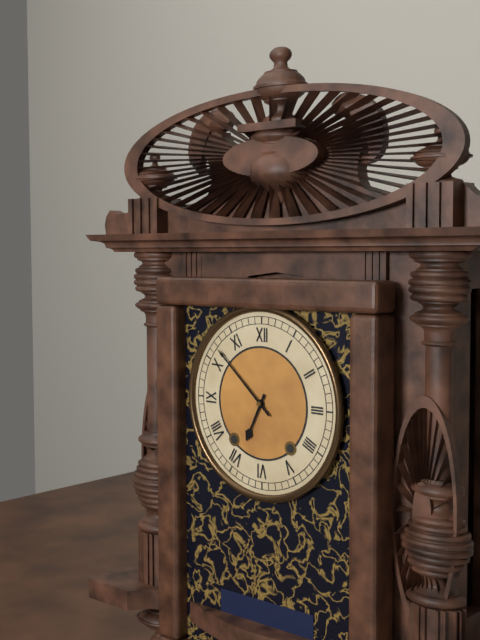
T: 6 h 52 min
